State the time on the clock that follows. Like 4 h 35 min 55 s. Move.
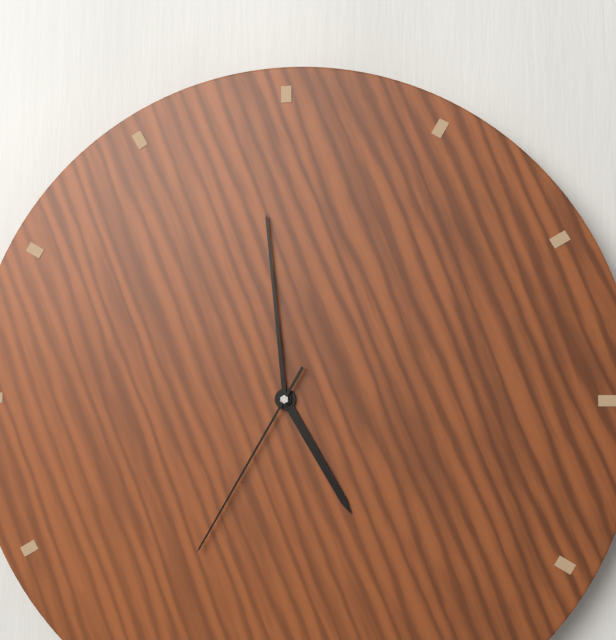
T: 4 h 59 min 35 s
